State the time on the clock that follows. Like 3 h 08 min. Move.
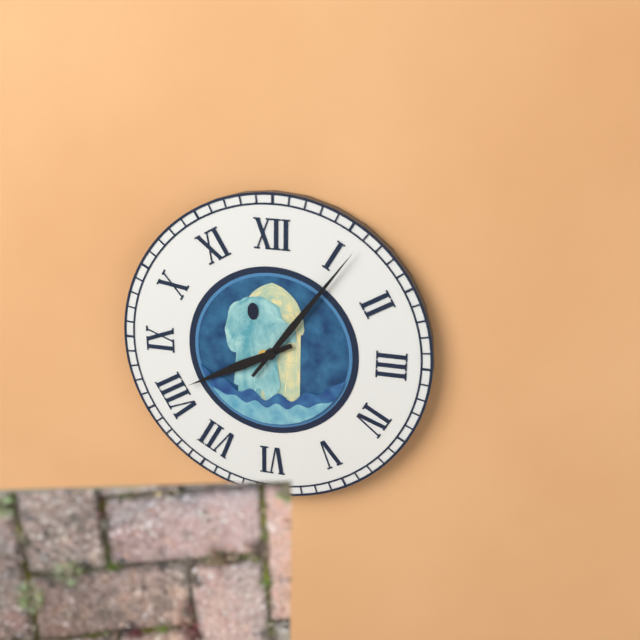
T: 8 h 06 min
